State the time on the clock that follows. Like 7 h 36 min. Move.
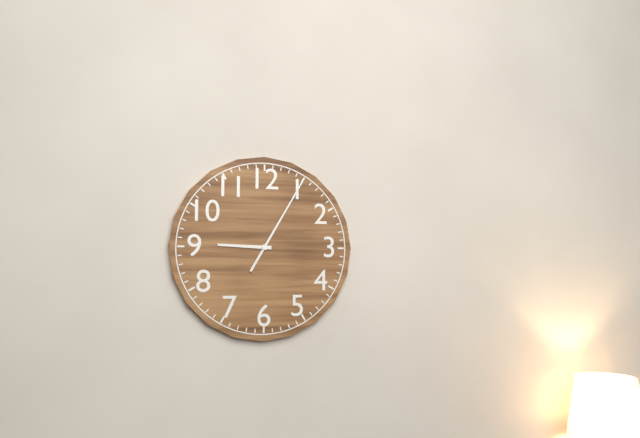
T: 9 h 05 min
